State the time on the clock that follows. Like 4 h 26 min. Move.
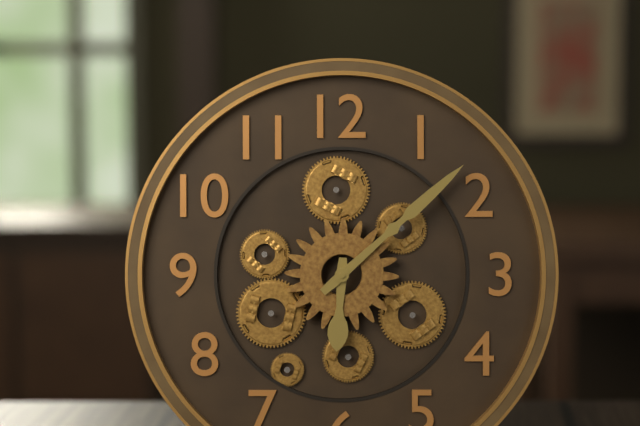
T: 6 h 08 min
